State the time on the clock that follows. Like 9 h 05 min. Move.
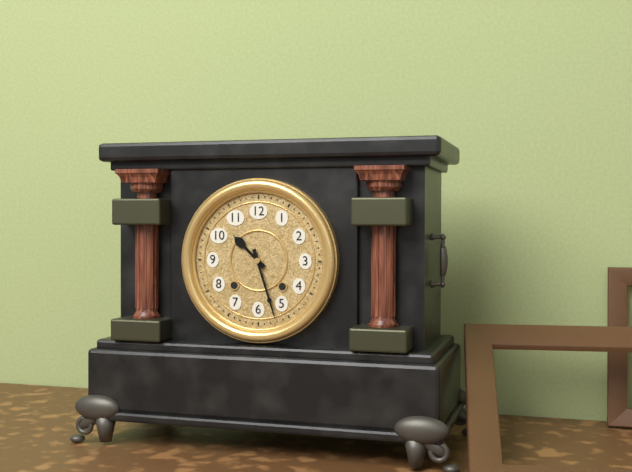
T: 10 h 27 min
